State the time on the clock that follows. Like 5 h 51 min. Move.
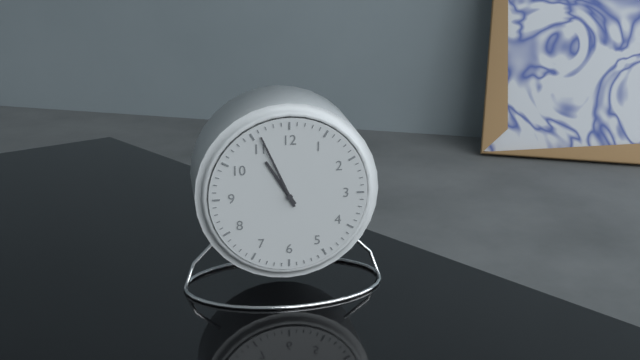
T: 10 h 56 min
